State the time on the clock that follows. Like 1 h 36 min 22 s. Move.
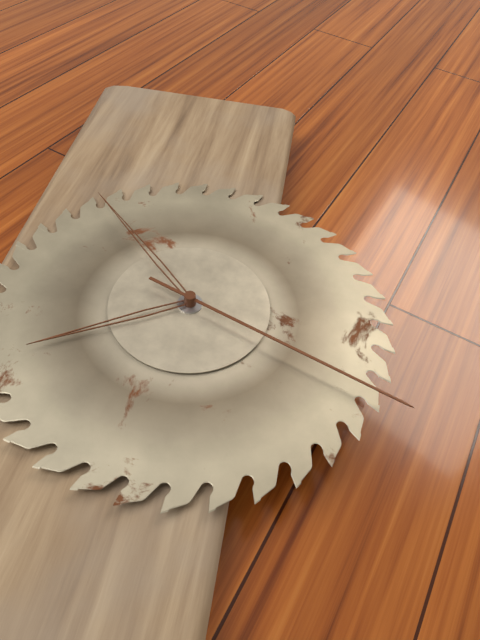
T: 7 h 52 min 18 s
